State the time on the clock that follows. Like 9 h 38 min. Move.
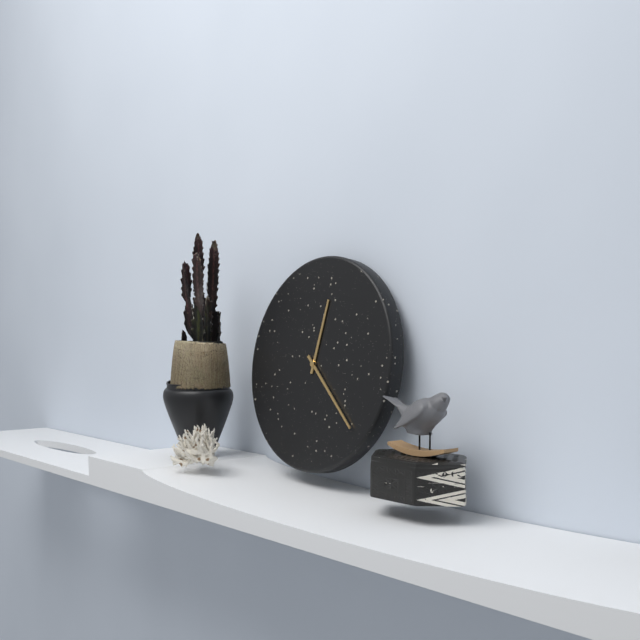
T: 12 h 22 min
